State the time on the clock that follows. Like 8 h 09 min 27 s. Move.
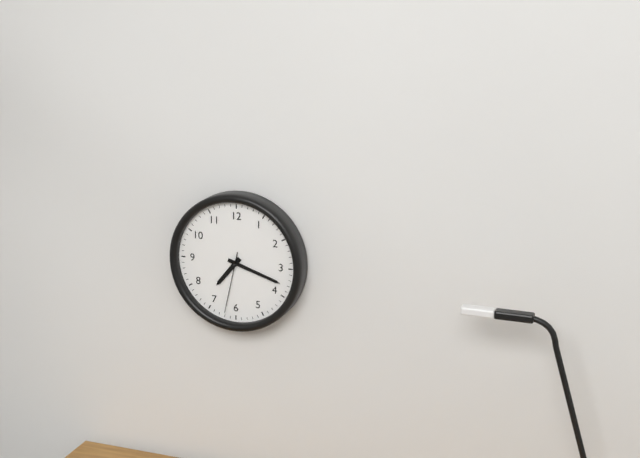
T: 7 h 18 min 32 s
